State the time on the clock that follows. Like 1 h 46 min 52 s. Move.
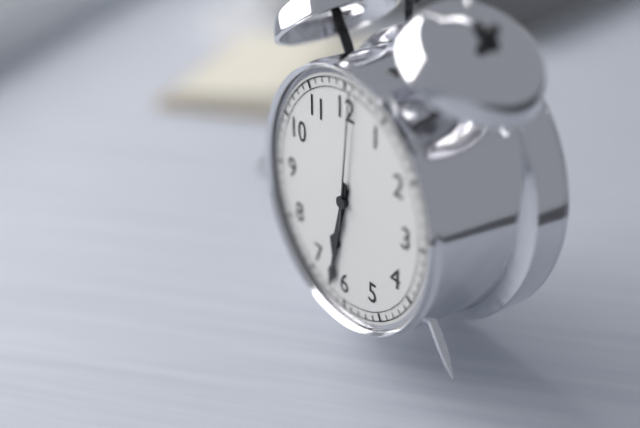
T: 6 h 32 min 01 s
